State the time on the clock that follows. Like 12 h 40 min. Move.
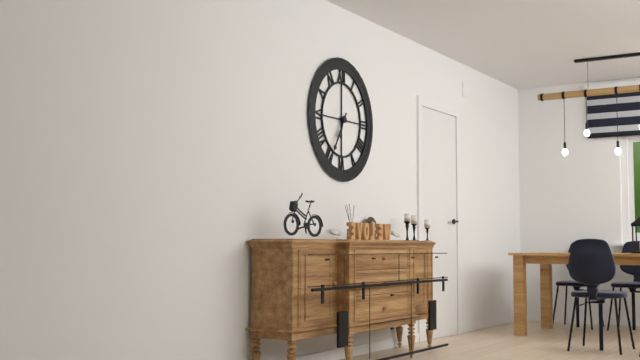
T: 6 h 35 min
